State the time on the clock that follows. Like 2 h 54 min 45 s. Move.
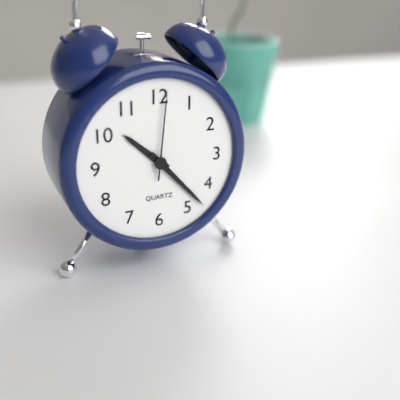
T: 10 h 23 min 01 s
